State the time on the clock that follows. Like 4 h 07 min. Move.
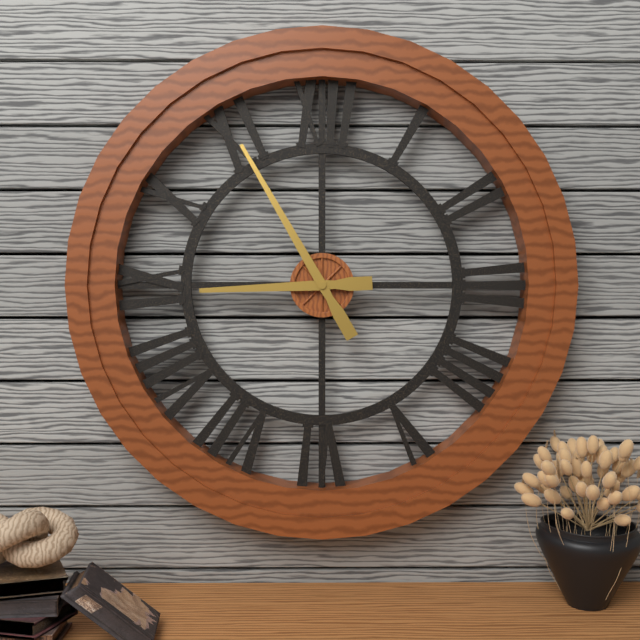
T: 8 h 55 min
